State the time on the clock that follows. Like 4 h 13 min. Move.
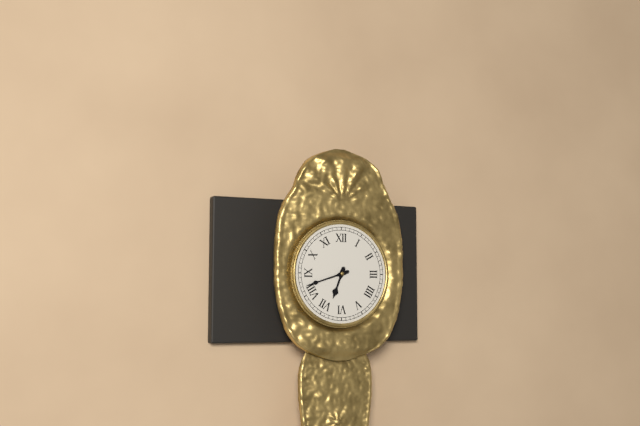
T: 6 h 42 min
